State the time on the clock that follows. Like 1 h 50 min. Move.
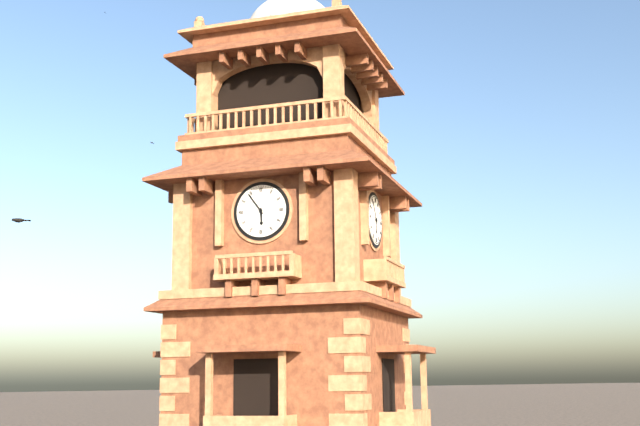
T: 5 h 54 min
